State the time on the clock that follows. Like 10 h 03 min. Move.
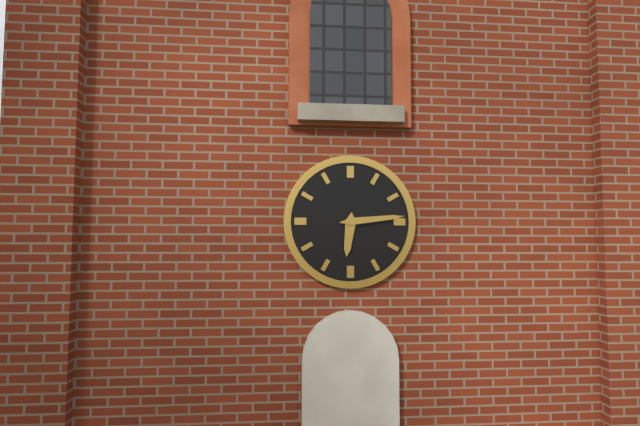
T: 6 h 14 min
